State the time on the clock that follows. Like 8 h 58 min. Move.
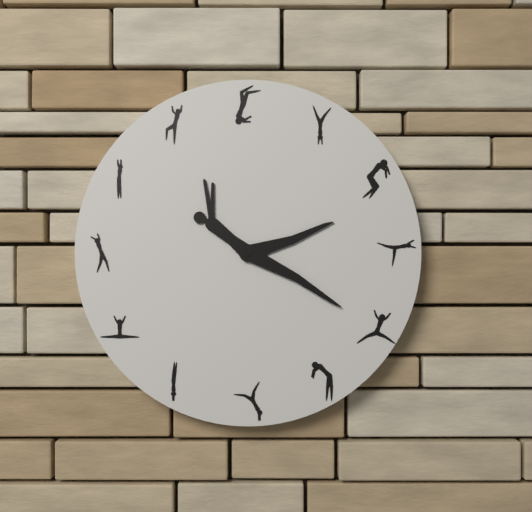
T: 2 h 20 min
